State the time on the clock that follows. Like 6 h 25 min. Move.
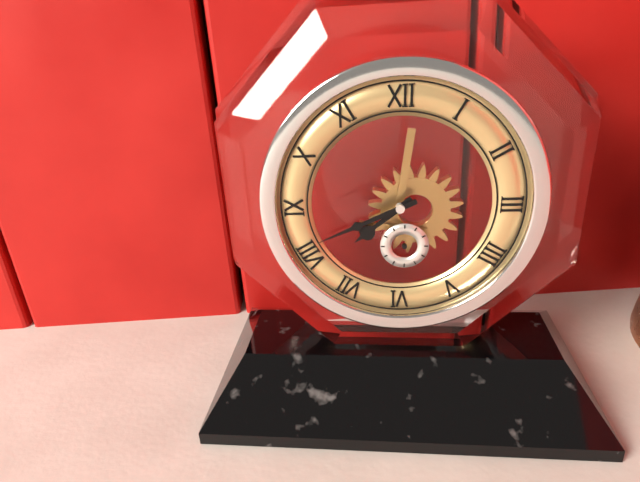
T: 7 h 41 min
